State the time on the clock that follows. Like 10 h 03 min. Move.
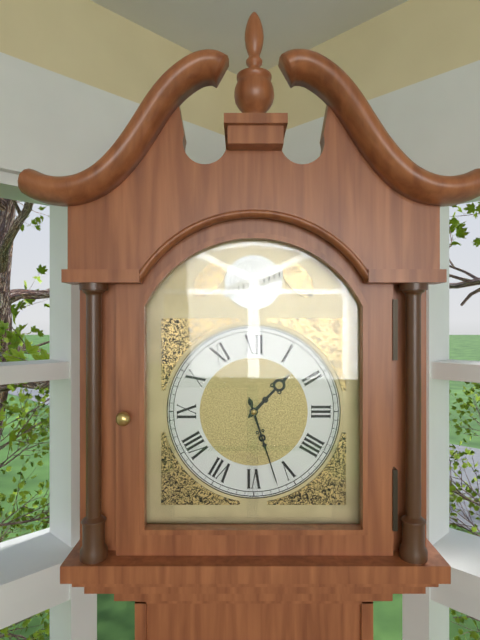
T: 1 h 27 min
